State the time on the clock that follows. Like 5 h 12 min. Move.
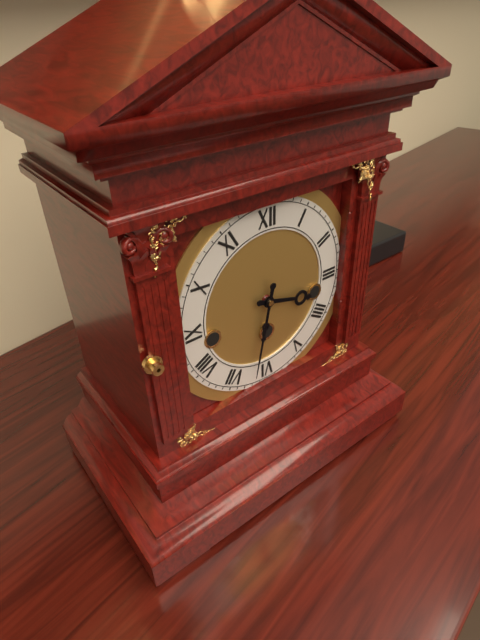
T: 3 h 32 min
